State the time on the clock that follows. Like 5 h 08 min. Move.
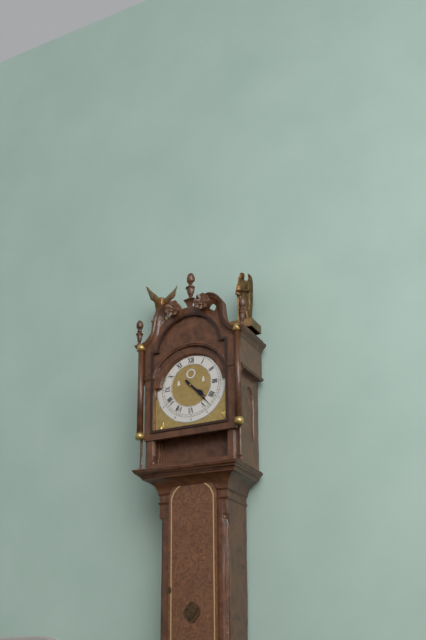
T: 4 h 23 min
